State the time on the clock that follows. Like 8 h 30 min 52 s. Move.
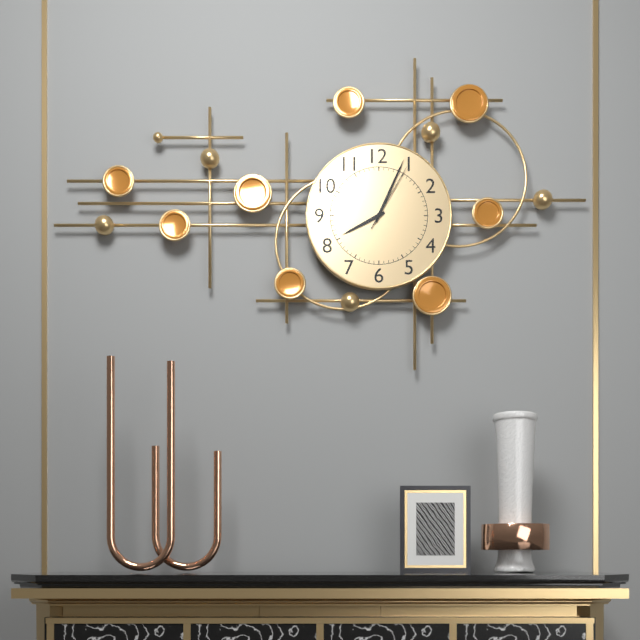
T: 8 h 04 min 05 s
